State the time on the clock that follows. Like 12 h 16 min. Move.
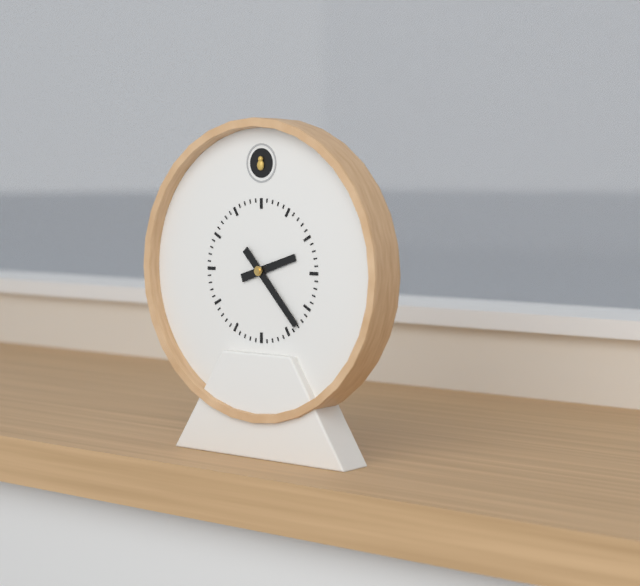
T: 2 h 23 min
